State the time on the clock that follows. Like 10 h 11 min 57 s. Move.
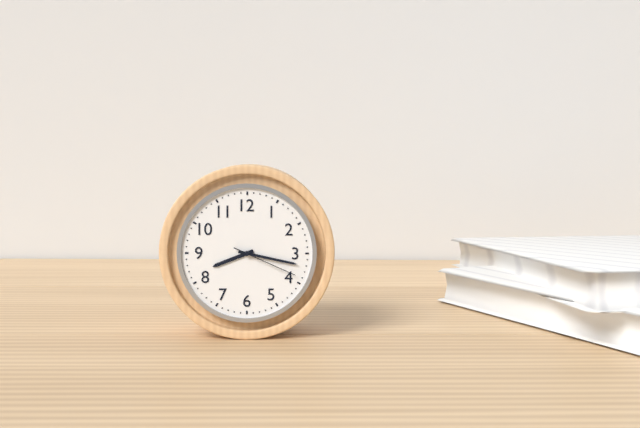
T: 8 h 17 min 19 s
